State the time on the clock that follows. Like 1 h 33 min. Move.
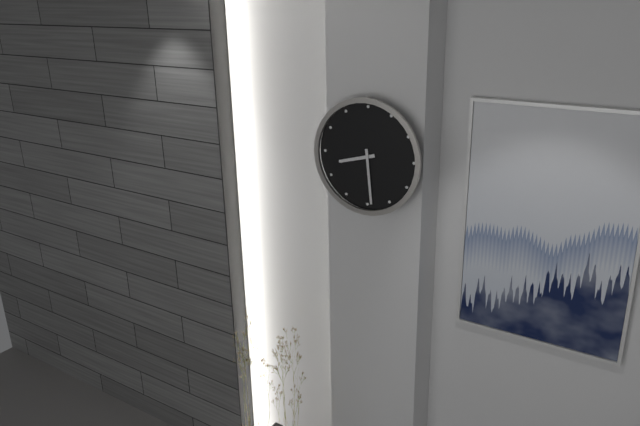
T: 8 h 29 min
